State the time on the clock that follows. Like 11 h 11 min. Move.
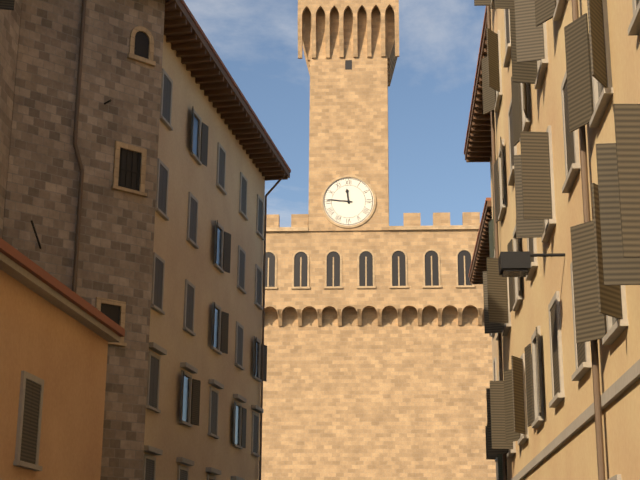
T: 11 h 46 min
